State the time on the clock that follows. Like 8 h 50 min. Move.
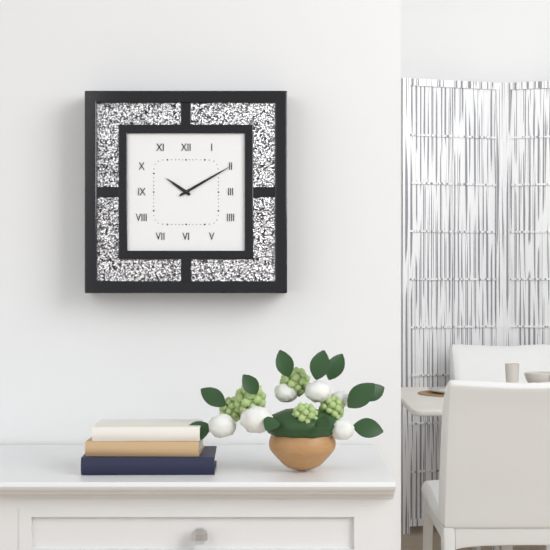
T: 10 h 10 min
